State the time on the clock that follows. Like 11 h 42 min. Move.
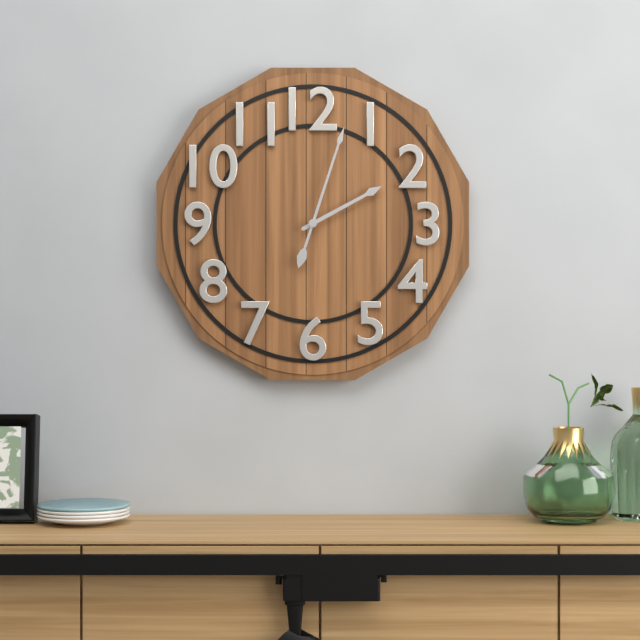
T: 2 h 03 min
